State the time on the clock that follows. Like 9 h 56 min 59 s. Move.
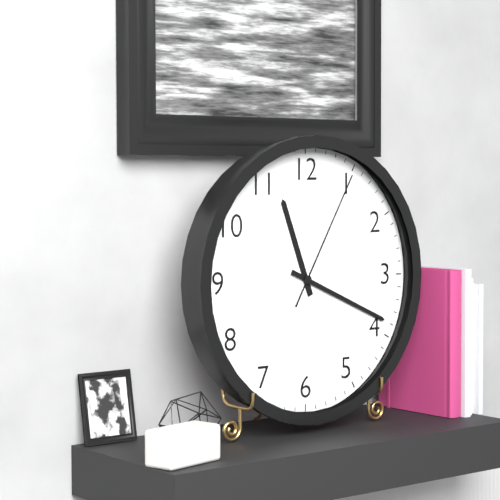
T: 11 h 19 min 05 s
